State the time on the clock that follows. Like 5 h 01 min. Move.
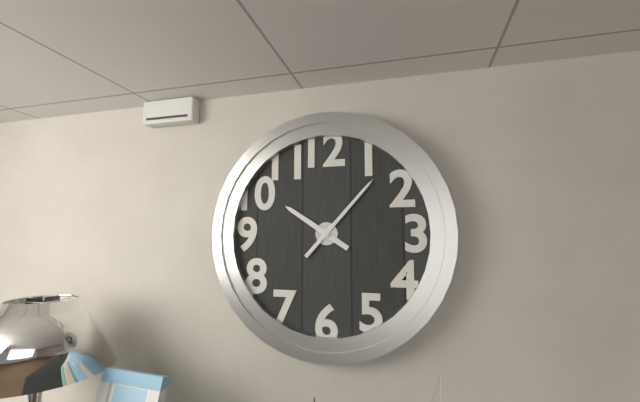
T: 10 h 07 min
